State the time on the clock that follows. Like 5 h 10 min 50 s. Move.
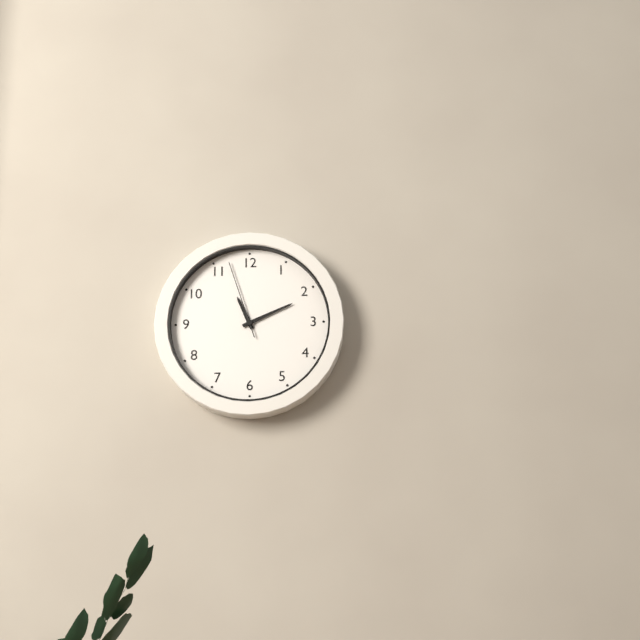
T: 11 h 11 min 57 s
